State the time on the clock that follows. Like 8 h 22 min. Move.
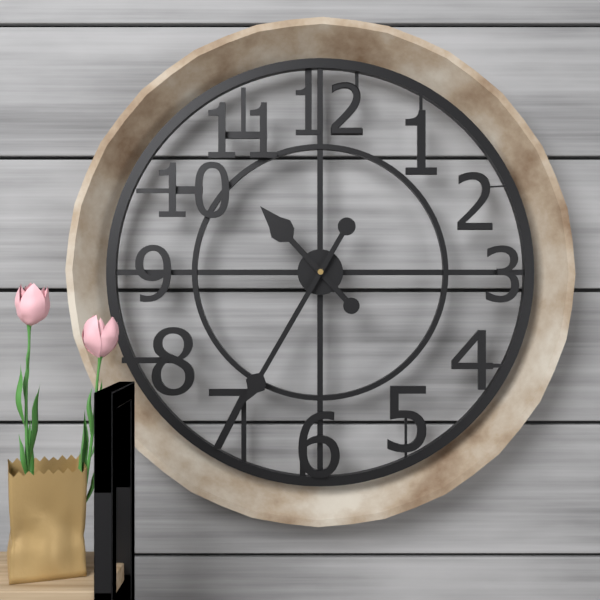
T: 10 h 35 min
